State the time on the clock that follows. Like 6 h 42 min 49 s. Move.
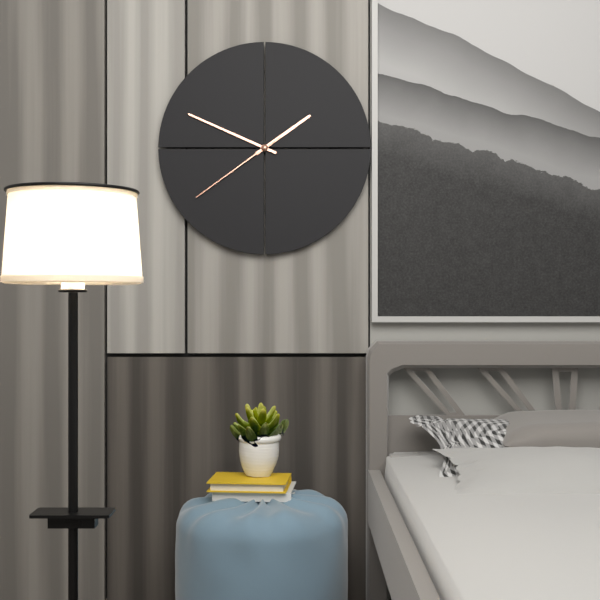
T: 1 h 49 min 39 s
